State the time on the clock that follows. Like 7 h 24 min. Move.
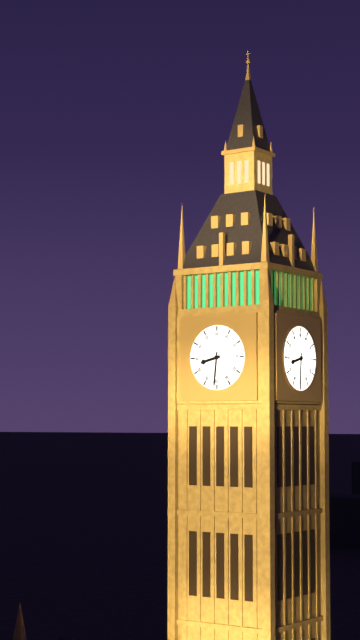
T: 8 h 31 min
